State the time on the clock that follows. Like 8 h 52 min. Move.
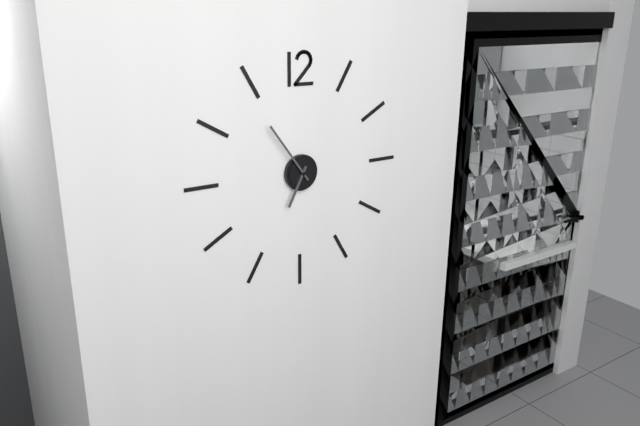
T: 6 h 54 min
